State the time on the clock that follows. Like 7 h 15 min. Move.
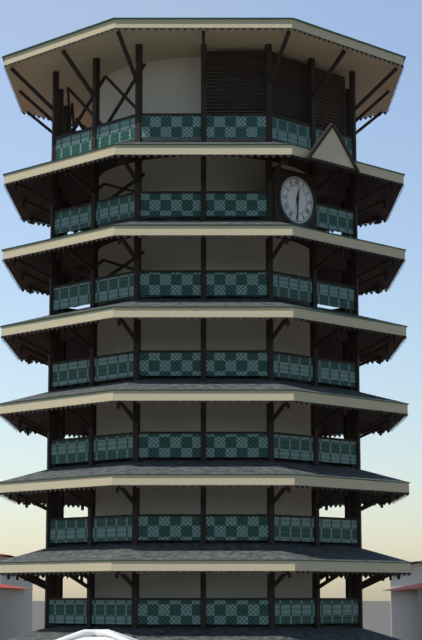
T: 12 h 30 min
